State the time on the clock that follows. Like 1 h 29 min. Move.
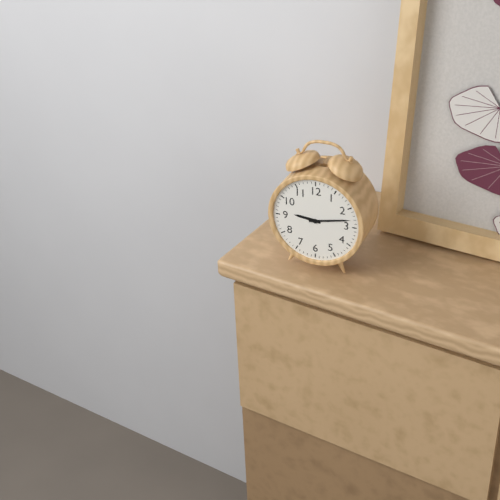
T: 9 h 13 min
